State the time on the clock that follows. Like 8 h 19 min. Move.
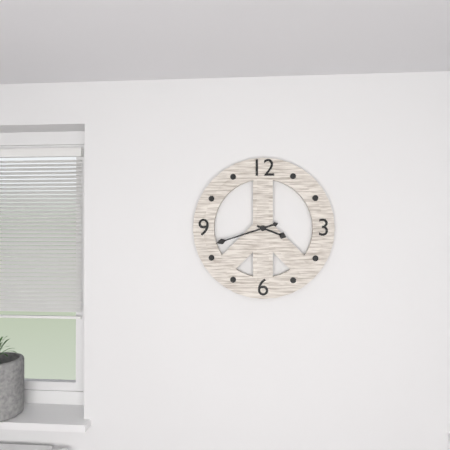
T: 3 h 42 min
